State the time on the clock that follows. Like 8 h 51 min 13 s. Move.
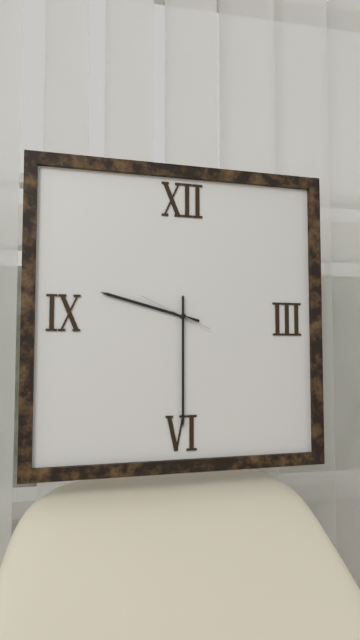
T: 9 h 30 min 49 s
